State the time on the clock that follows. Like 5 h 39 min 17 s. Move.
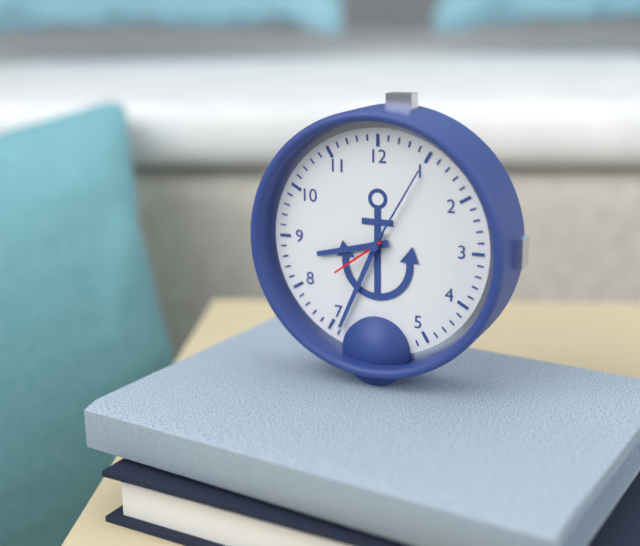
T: 8 h 34 min 39 s
